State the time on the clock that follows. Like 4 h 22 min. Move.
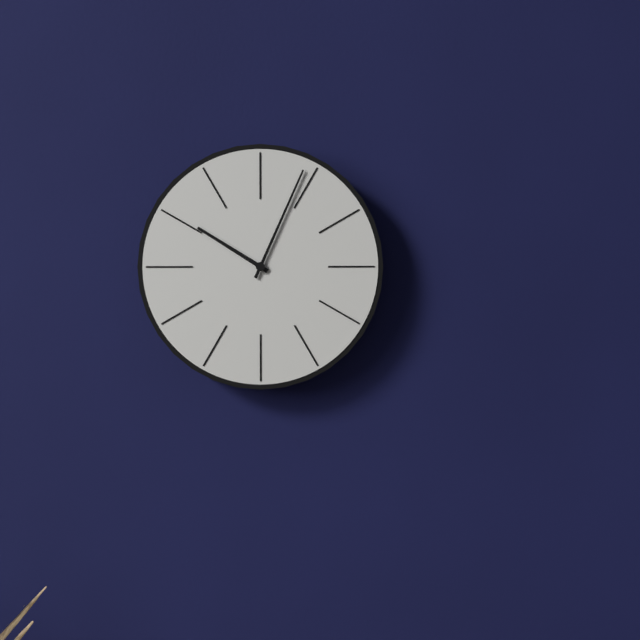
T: 10 h 04 min
